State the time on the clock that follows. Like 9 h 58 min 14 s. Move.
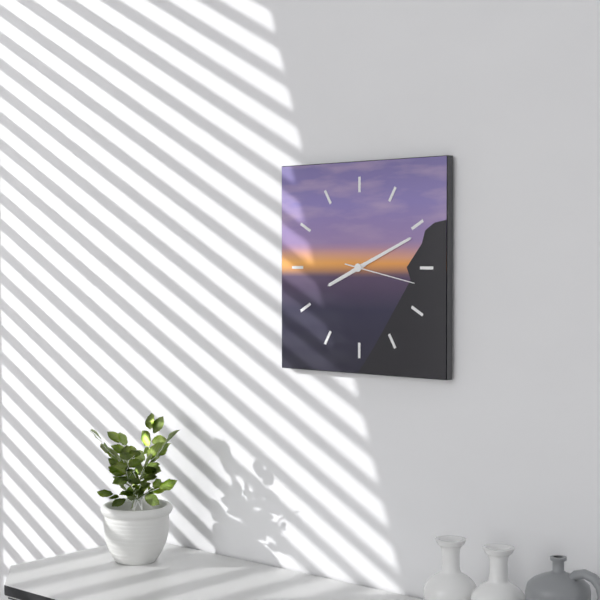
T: 8 h 11 min 17 s
